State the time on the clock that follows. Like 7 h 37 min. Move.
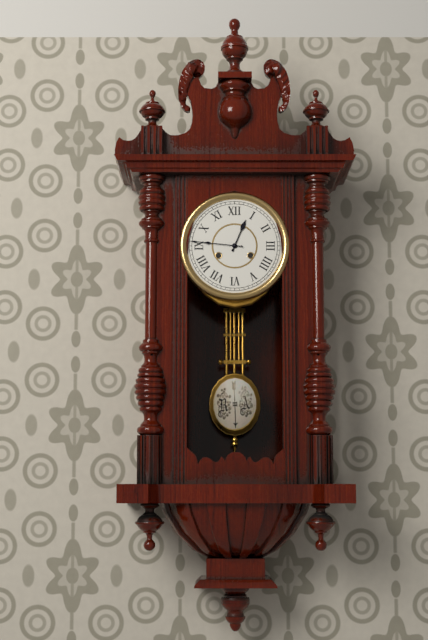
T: 12 h 46 min
